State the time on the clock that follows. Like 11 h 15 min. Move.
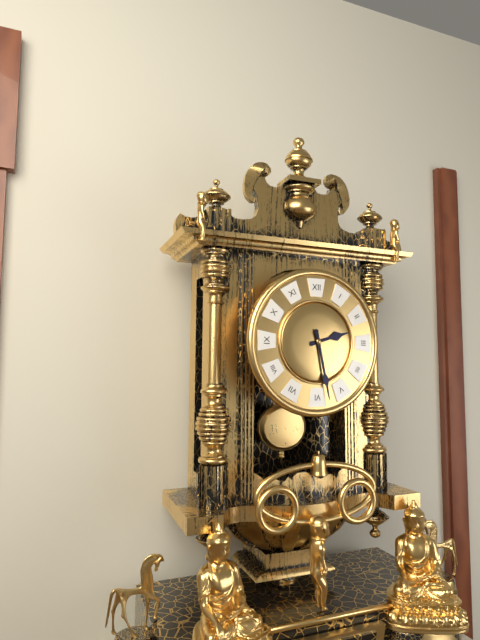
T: 2 h 28 min
